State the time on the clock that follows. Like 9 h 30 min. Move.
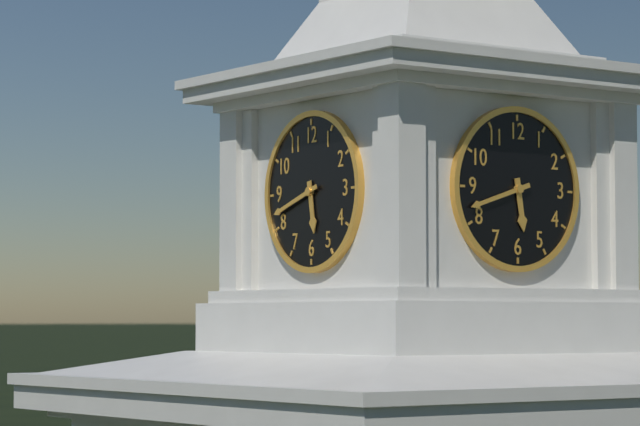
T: 5 h 42 min
